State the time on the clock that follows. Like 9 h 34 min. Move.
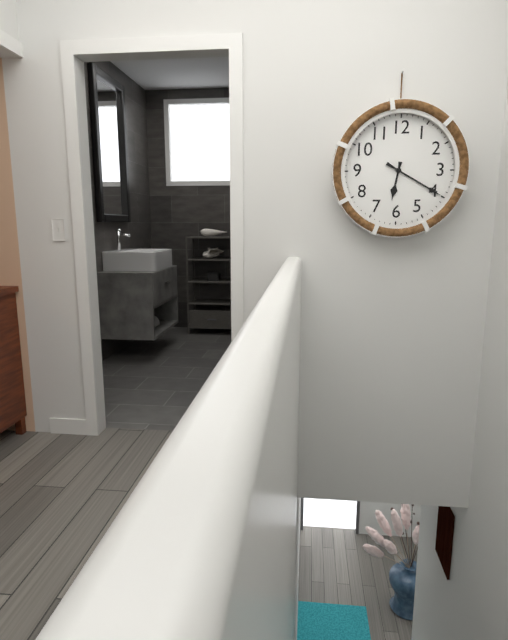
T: 6 h 20 min
